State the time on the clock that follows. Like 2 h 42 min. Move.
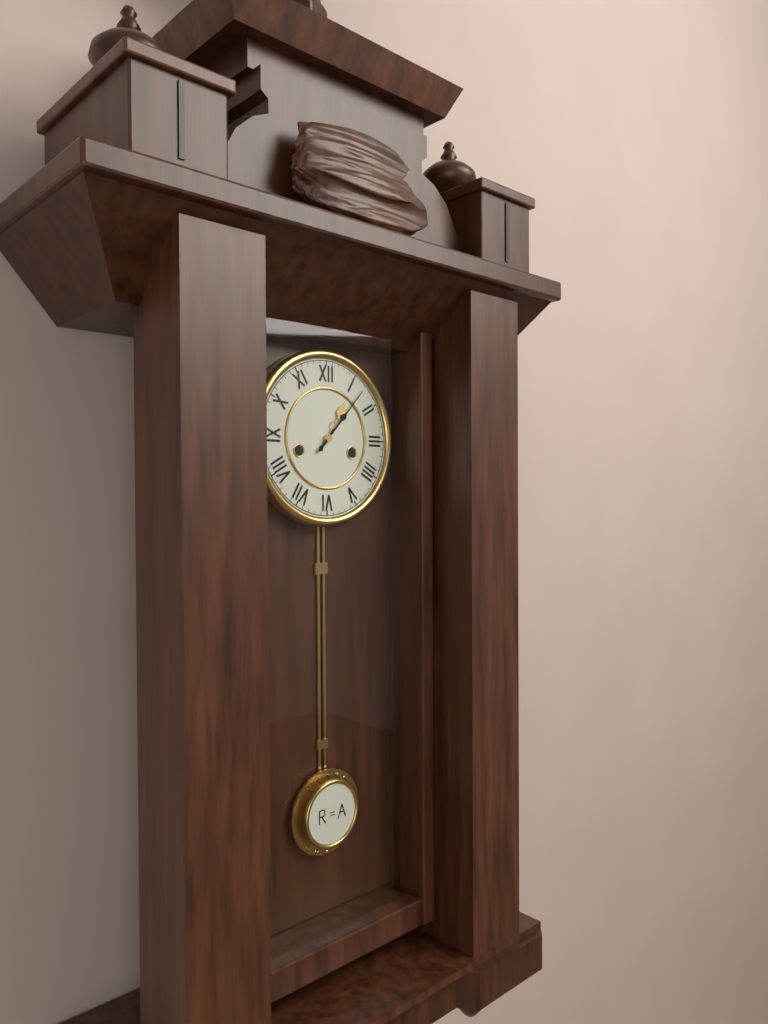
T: 1 h 07 min
